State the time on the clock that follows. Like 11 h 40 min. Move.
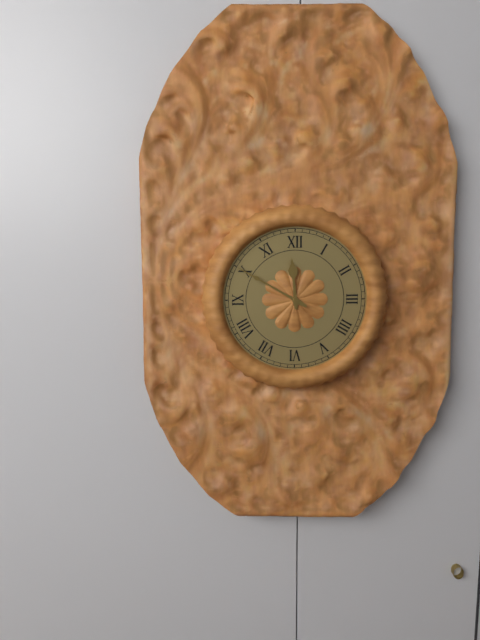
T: 11 h 50 min
